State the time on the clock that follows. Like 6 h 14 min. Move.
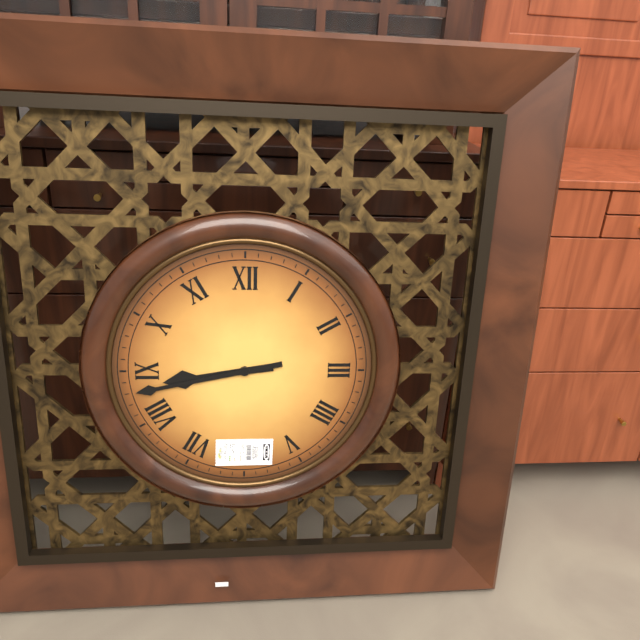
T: 8 h 43 min
